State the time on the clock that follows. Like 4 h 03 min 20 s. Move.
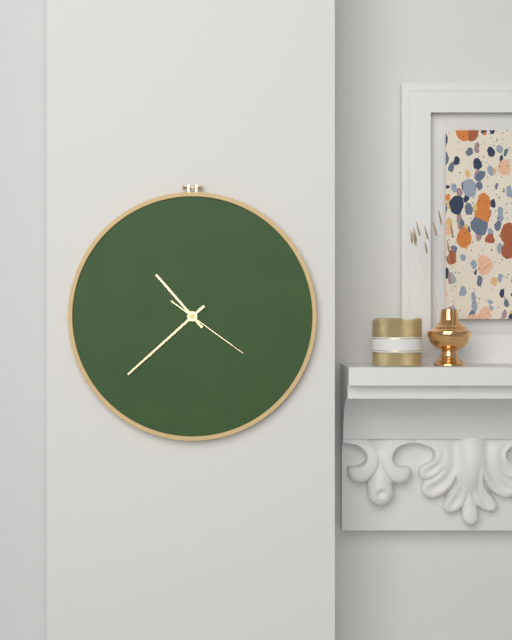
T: 10 h 38 min 21 s
